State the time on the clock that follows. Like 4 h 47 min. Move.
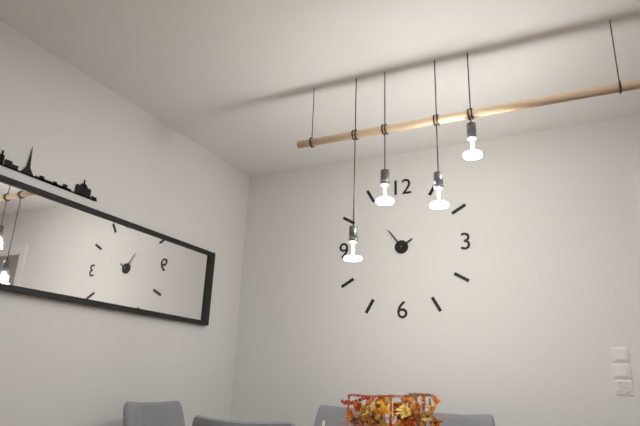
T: 1 h 54 min
